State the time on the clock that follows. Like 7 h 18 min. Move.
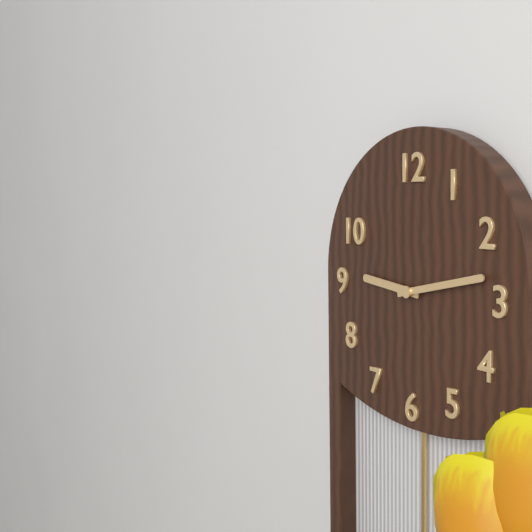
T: 9 h 13 min
